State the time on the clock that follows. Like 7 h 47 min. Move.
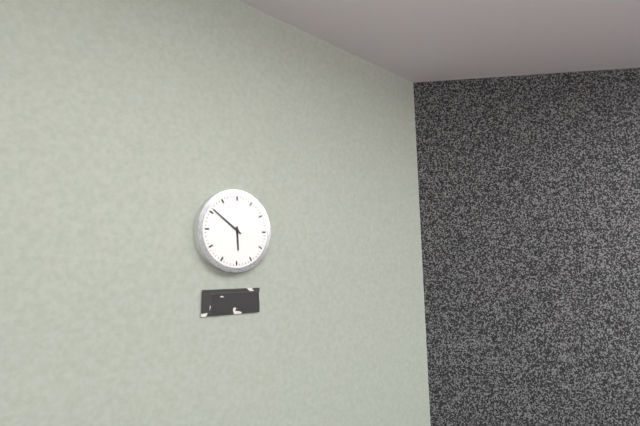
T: 5 h 51 min
